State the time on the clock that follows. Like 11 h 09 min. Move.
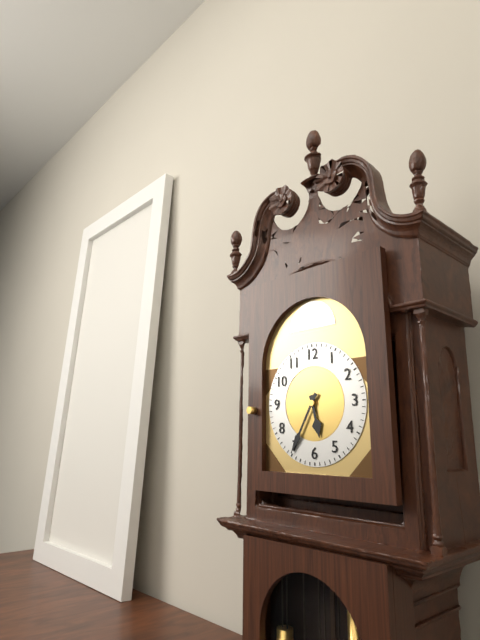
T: 5 h 35 min
